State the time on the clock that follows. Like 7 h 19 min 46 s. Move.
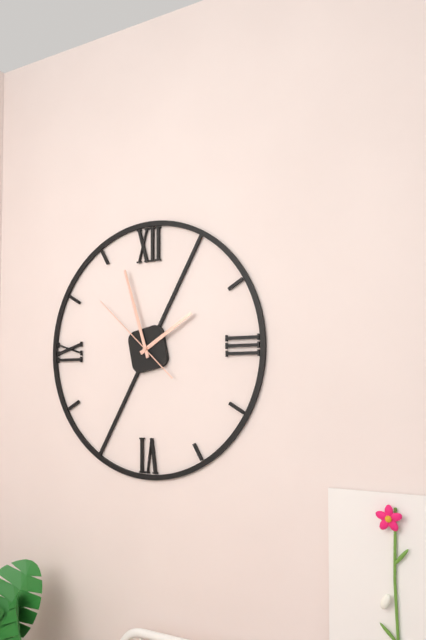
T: 1 h 57 min 52 s
